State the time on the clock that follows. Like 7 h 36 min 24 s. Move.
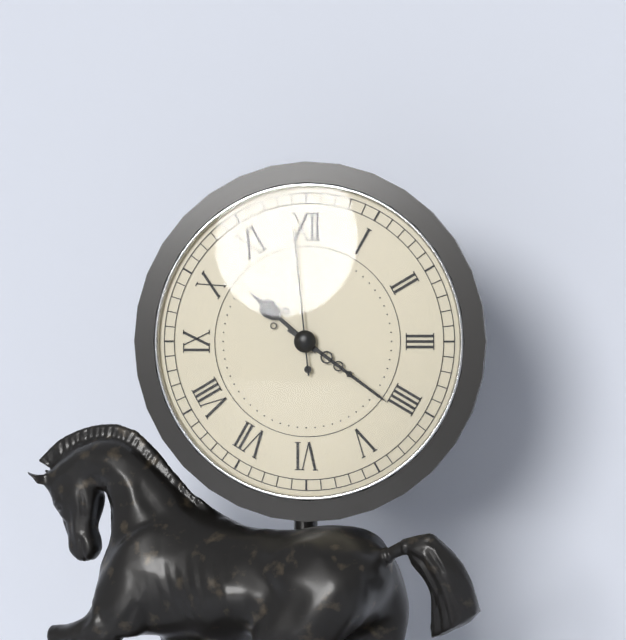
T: 10 h 21 min 59 s
